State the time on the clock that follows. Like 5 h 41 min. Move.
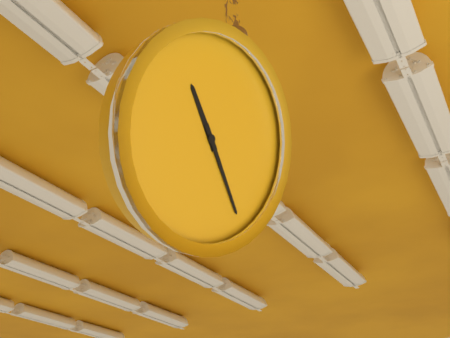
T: 10 h 22 min
